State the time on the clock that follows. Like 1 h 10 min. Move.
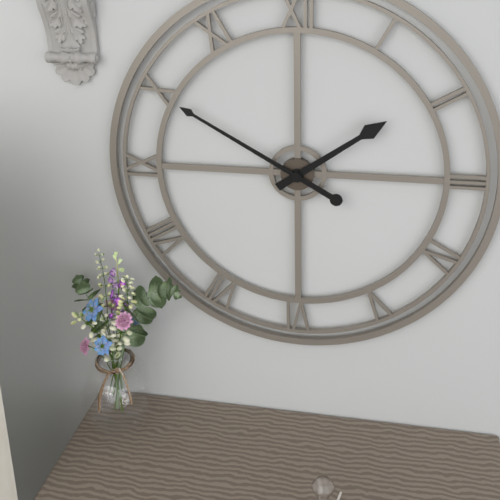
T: 1 h 50 min
